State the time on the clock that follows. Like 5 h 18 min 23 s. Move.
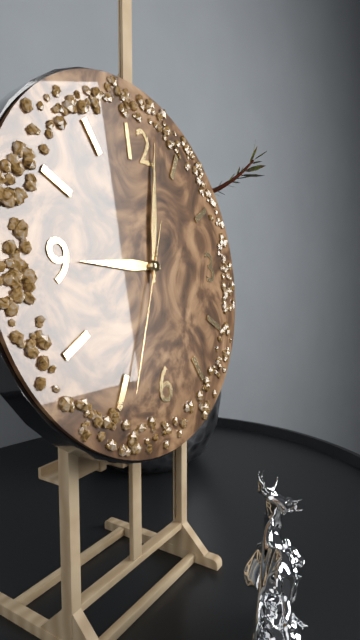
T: 9 h 02 min 34 s
